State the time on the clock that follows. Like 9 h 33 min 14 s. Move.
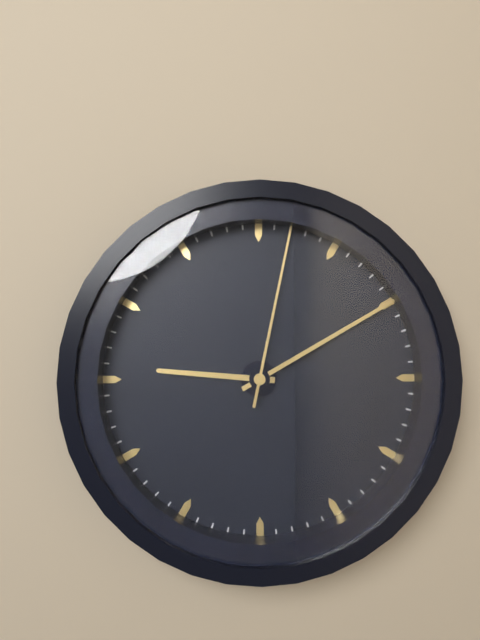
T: 9 h 10 min 02 s
